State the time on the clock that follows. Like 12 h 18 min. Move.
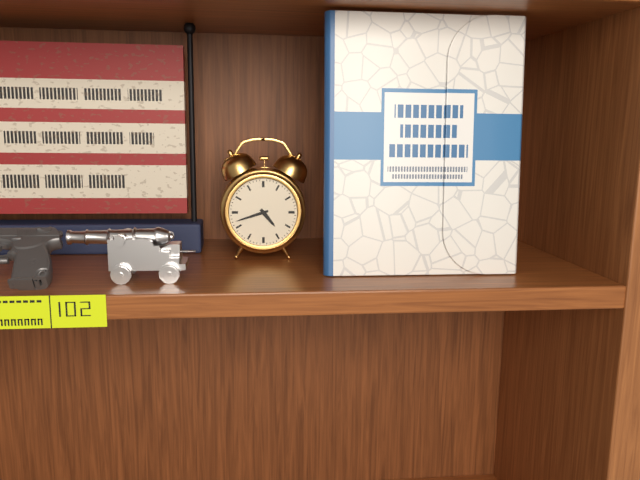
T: 4 h 42 min
